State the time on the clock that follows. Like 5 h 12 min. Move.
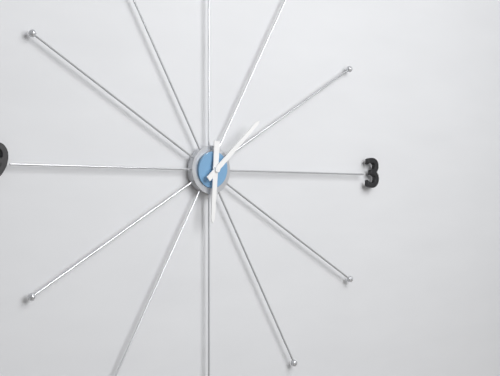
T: 6 h 08 min
